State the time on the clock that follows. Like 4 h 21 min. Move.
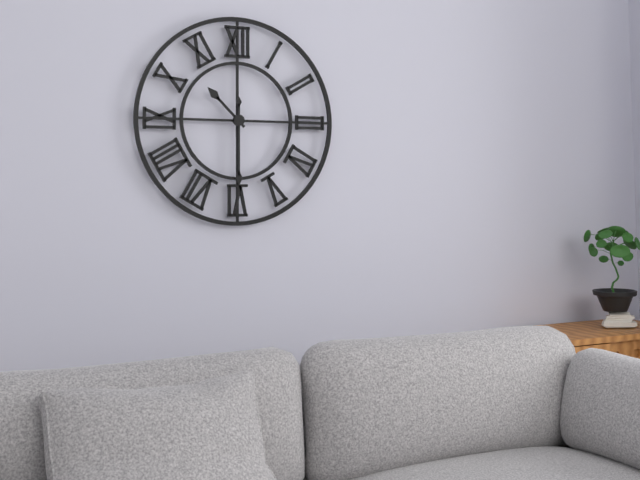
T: 10 h 30 min
